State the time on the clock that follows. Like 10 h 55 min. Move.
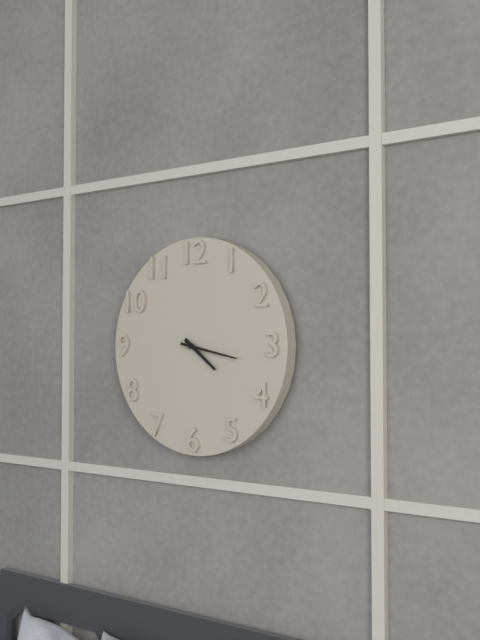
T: 4 h 17 min
